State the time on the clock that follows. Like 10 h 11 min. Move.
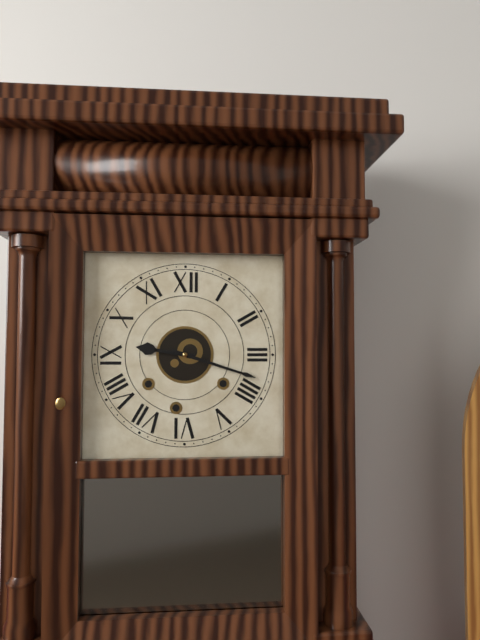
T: 9 h 18 min
